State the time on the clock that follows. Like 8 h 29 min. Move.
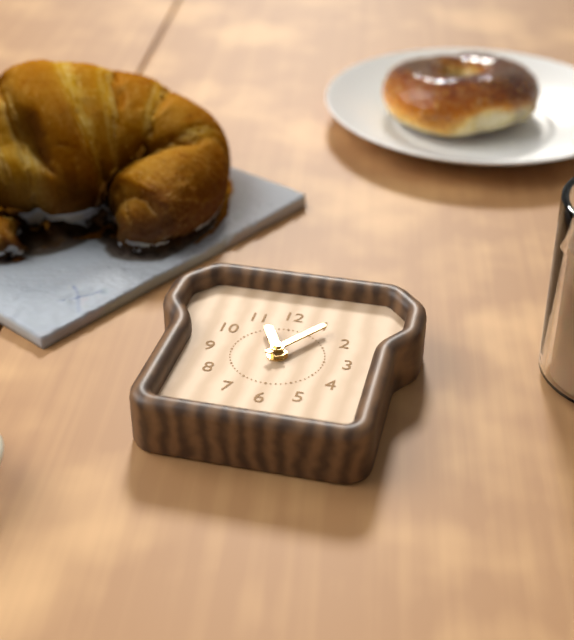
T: 11 h 06 min
